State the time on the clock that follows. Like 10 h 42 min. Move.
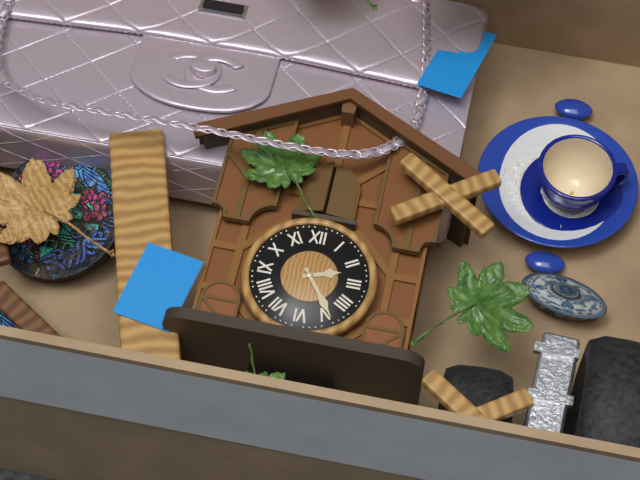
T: 2 h 24 min
